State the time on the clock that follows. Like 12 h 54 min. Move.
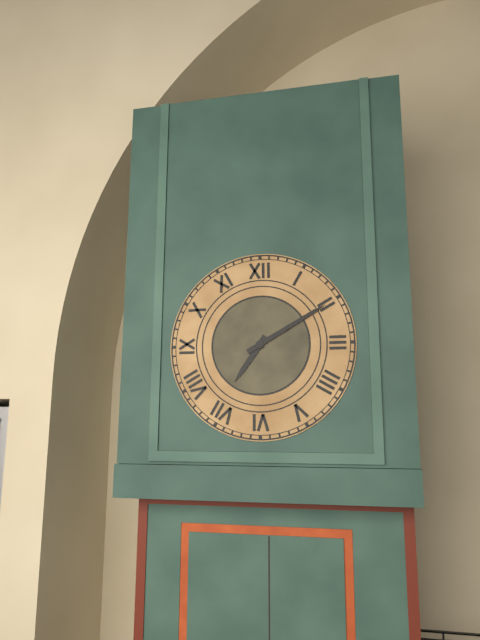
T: 7 h 10 min
